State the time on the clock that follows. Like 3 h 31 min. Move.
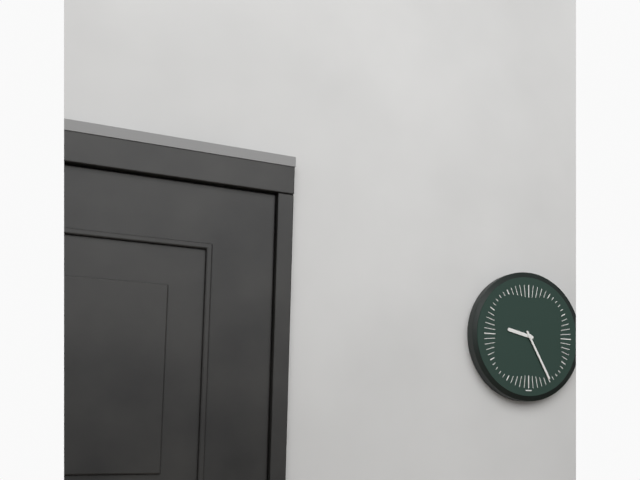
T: 9 h 25 min
